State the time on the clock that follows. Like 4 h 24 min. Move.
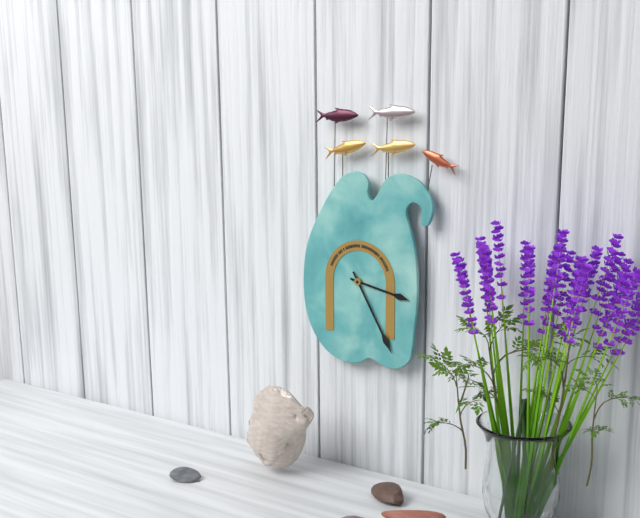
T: 3 h 25 min
